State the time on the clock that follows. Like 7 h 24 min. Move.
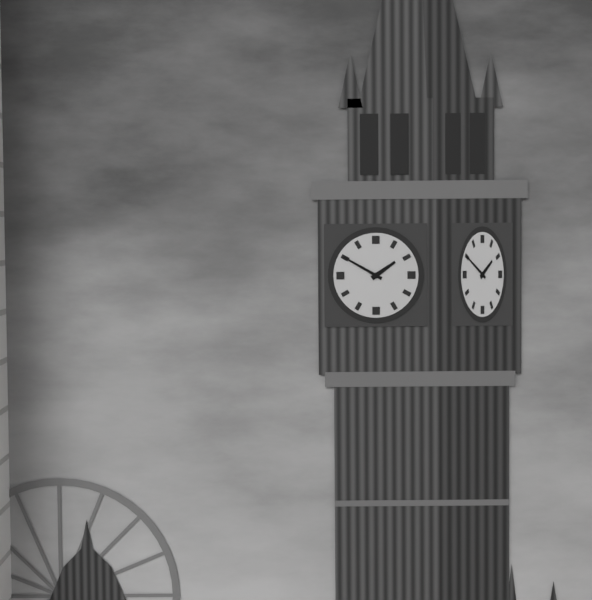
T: 1 h 50 min
